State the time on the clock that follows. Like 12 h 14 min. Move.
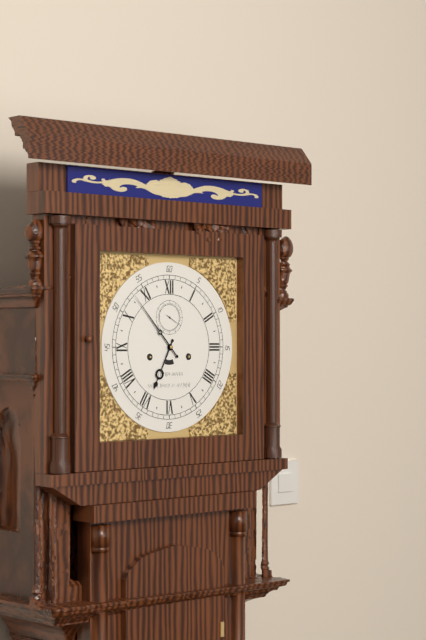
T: 6 h 53 min
